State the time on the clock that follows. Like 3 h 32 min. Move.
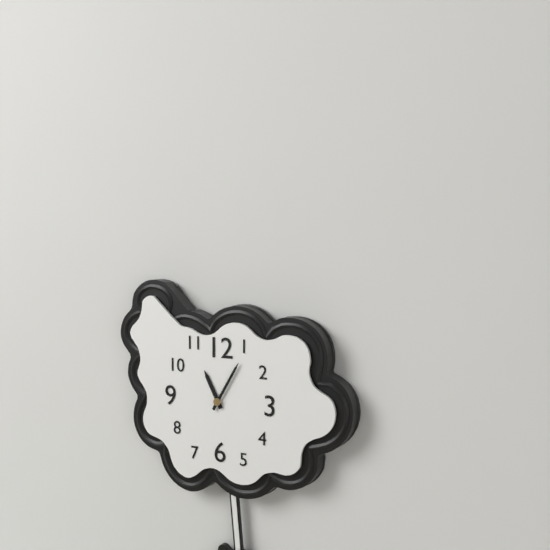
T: 11 h 05 min
